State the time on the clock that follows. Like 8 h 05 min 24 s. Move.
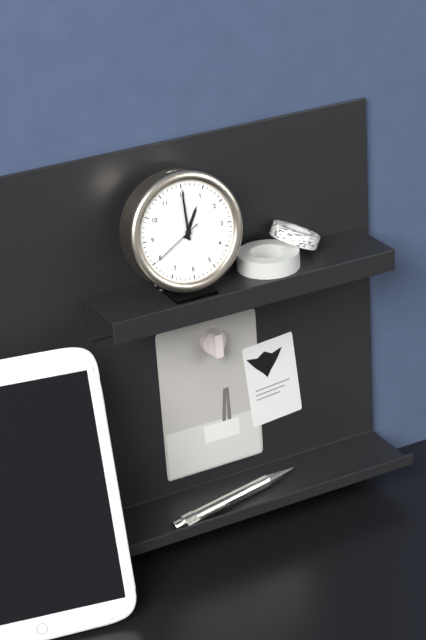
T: 1 h 00 min 40 s
